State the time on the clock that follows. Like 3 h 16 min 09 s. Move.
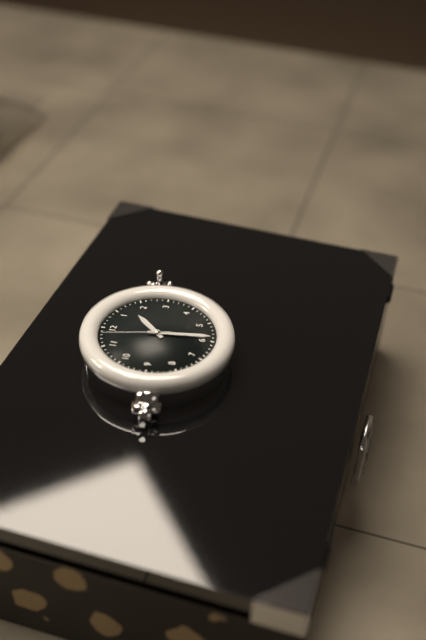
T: 1 h 29 min 58 s
